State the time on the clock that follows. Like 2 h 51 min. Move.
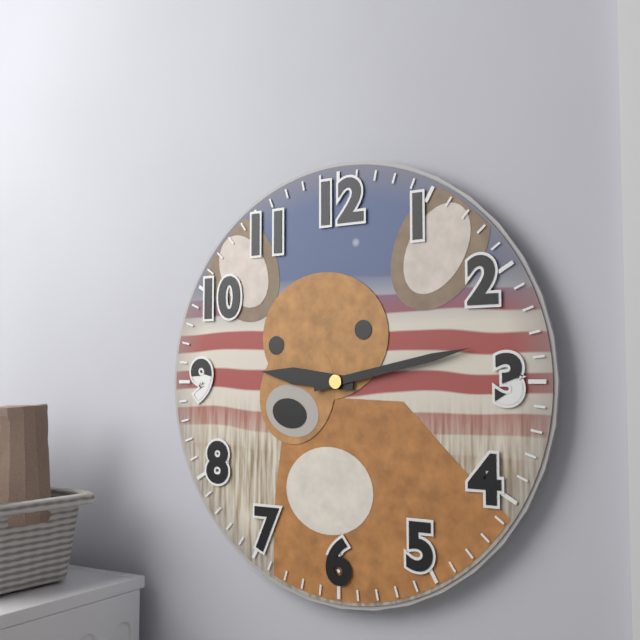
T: 9 h 13 min
